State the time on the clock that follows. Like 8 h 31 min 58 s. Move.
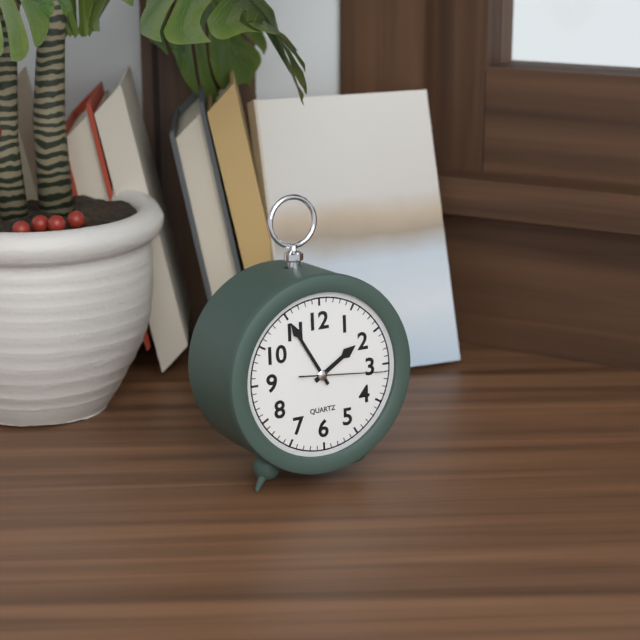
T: 1 h 55 min 16 s
